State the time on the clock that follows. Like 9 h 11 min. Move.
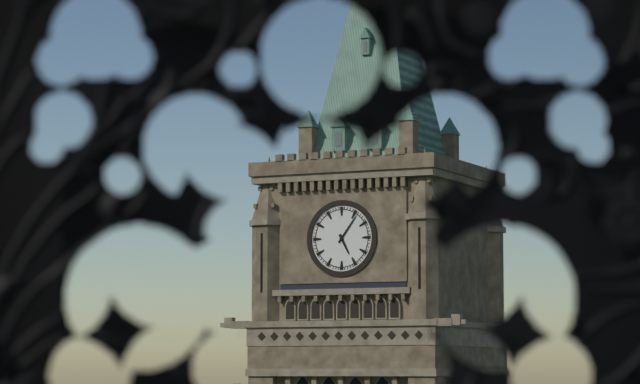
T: 5 h 06 min
